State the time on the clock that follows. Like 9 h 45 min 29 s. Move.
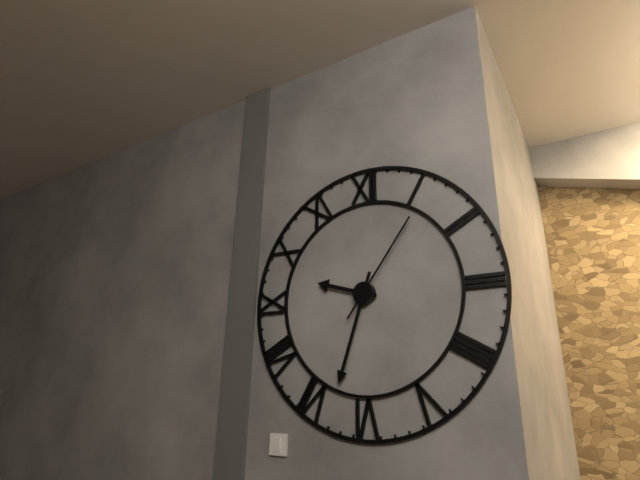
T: 9 h 33 min 06 s
